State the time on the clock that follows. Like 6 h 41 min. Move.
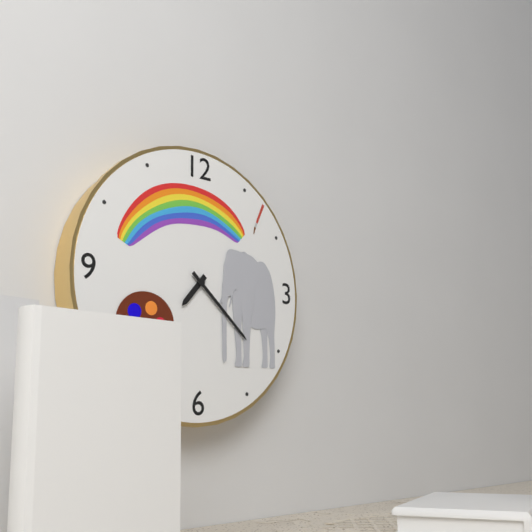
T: 7 h 22 min
